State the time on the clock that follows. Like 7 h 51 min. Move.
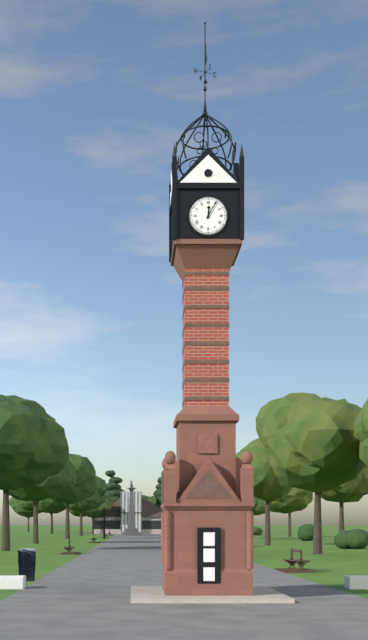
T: 12 h 05 min
